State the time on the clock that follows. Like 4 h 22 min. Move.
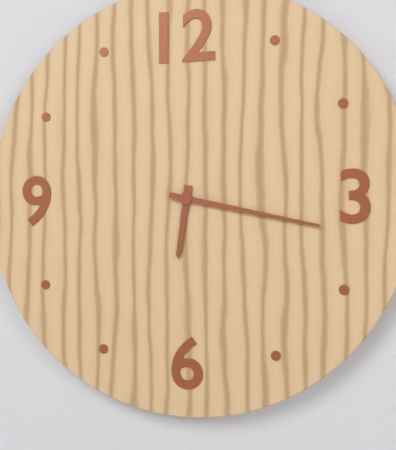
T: 6 h 17 min
